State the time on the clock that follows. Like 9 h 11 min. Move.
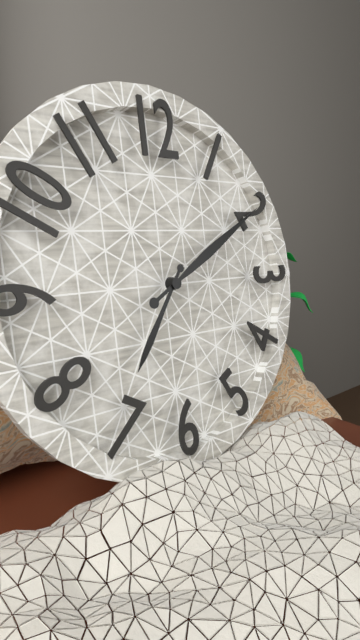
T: 7 h 10 min
